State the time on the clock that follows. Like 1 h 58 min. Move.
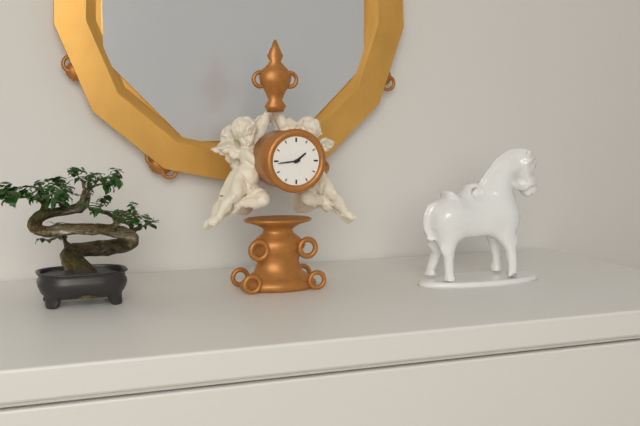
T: 1 h 44 min
